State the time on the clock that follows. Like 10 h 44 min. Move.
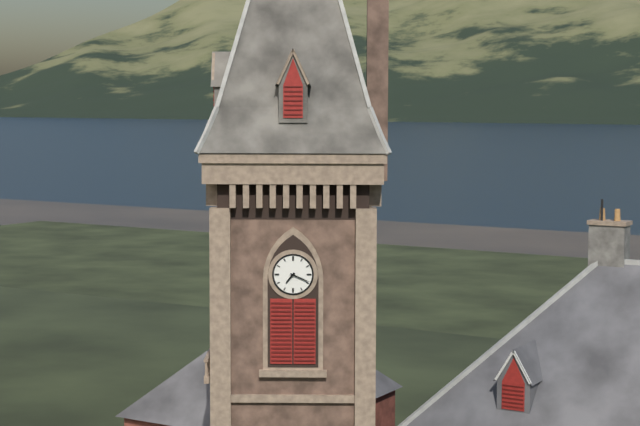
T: 7 h 19 min
